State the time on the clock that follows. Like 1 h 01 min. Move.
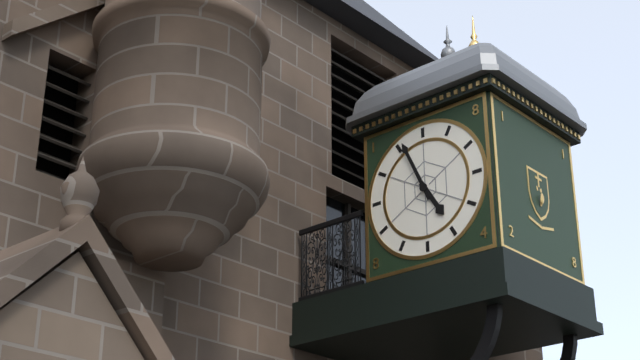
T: 4 h 56 min
